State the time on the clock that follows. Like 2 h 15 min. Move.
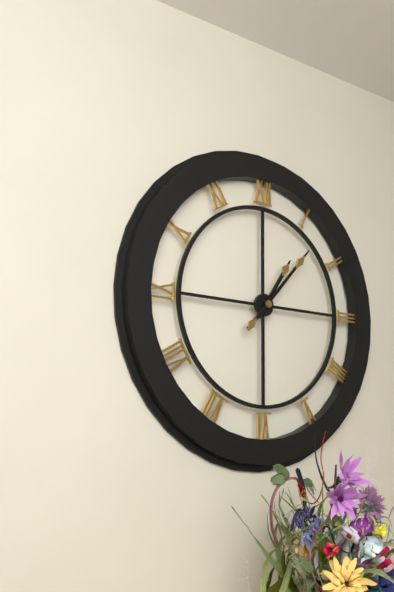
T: 1 h 07 min
